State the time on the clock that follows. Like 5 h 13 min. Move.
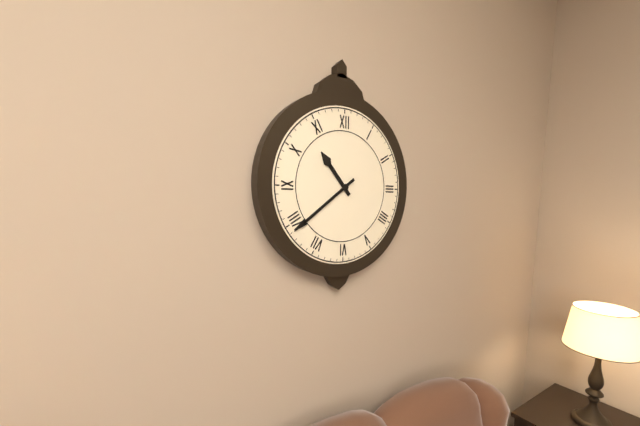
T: 10 h 39 min
